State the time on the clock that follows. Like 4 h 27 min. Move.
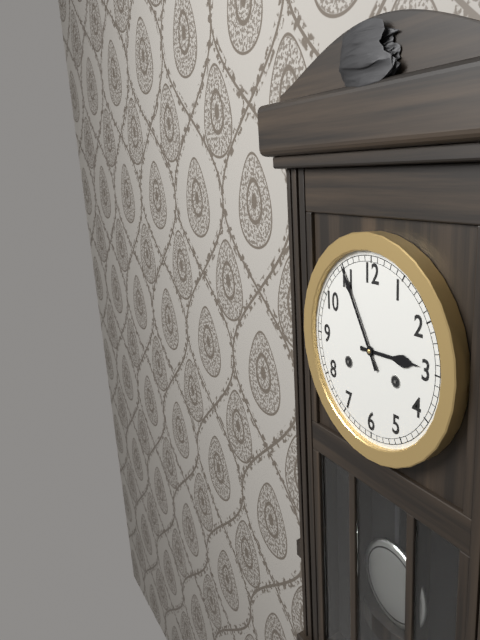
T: 2 h 55 min
